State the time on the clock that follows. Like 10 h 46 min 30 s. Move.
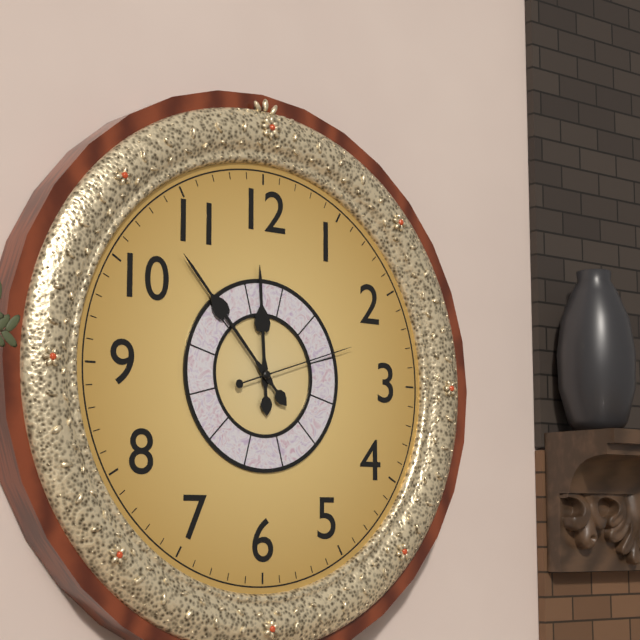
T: 11 h 53 min 12 s
